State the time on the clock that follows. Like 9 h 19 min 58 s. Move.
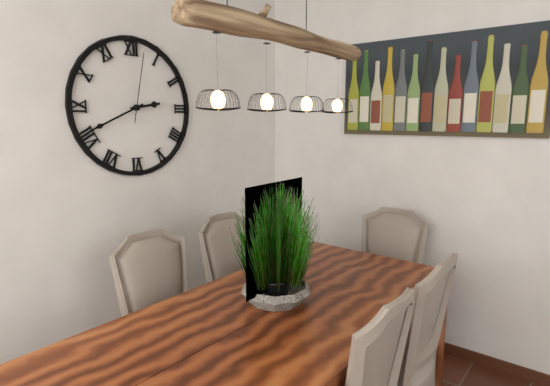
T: 2 h 41 min 02 s
